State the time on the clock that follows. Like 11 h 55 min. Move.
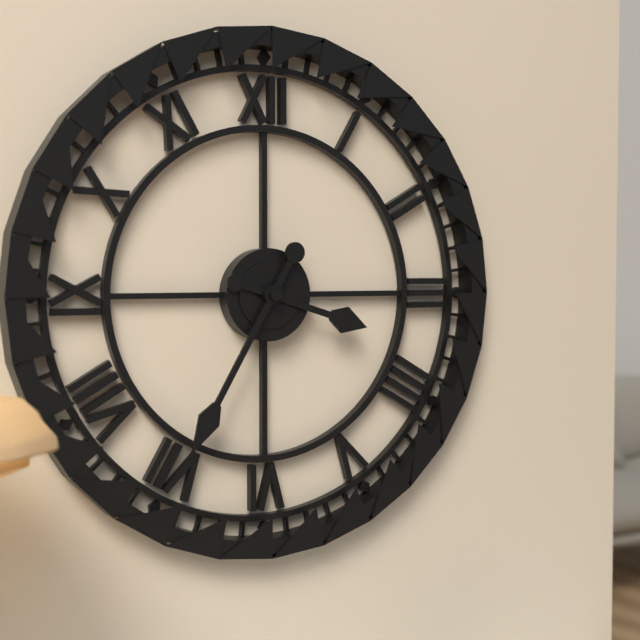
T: 3 h 35 min
